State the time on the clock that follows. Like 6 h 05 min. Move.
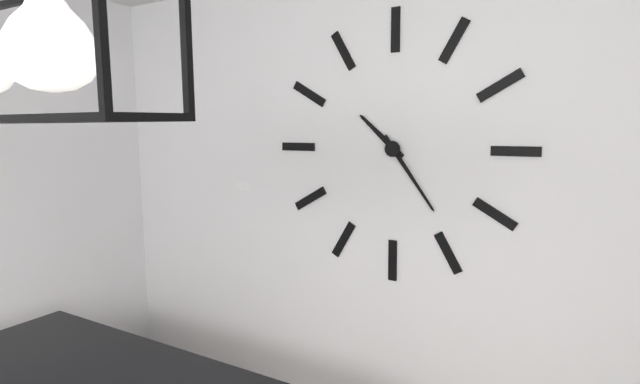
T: 10 h 24 min
